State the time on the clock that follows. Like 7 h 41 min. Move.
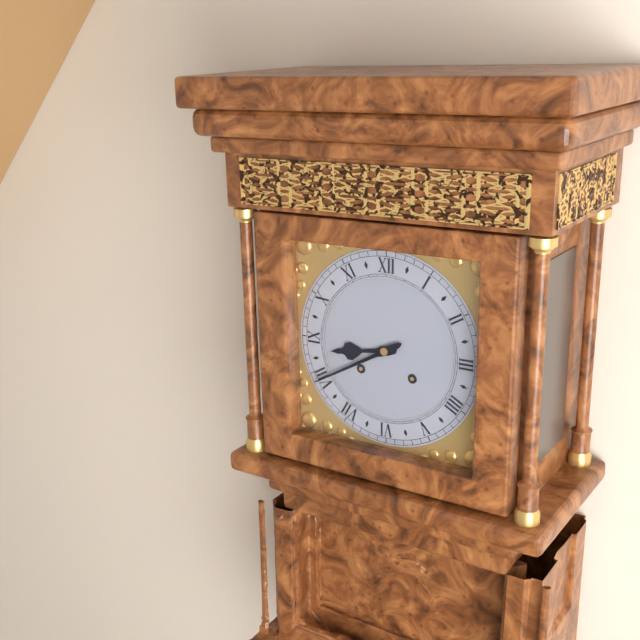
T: 8 h 40 min
